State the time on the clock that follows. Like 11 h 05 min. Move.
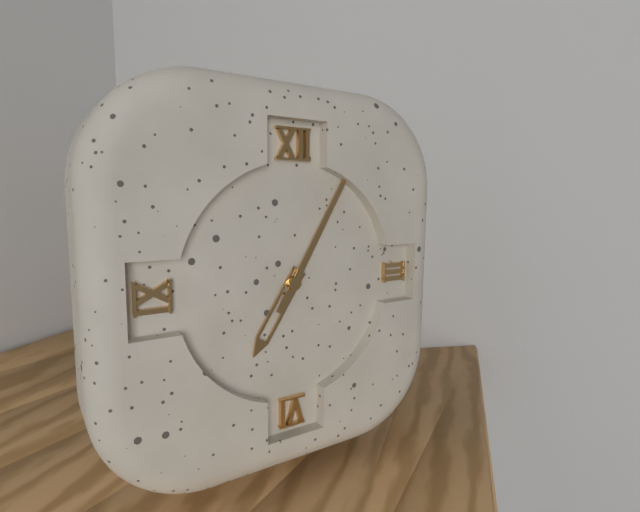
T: 7 h 05 min
